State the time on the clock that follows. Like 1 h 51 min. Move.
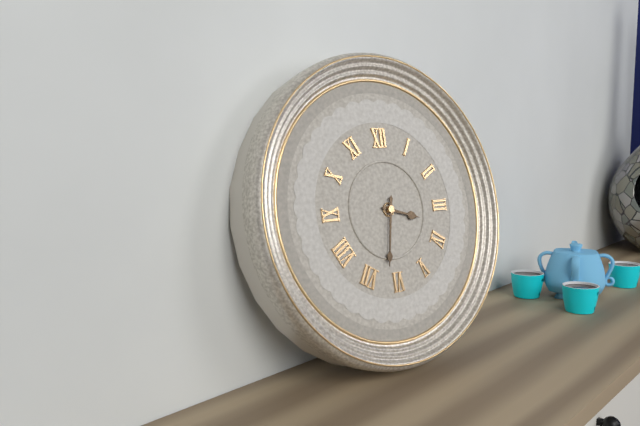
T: 3 h 32 min
